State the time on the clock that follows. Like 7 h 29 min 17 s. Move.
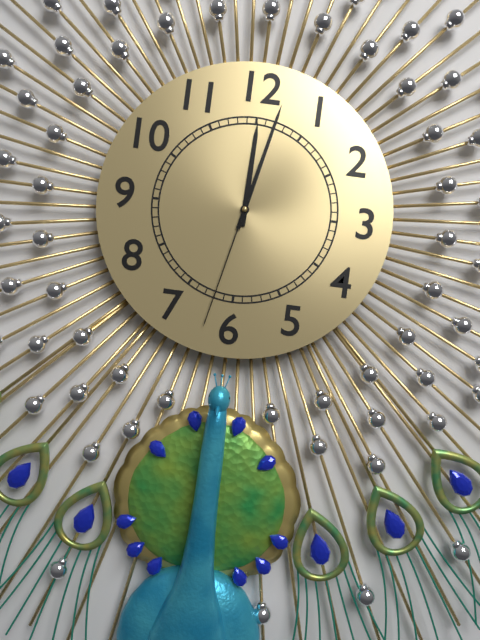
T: 12 h 02 min 32 s
